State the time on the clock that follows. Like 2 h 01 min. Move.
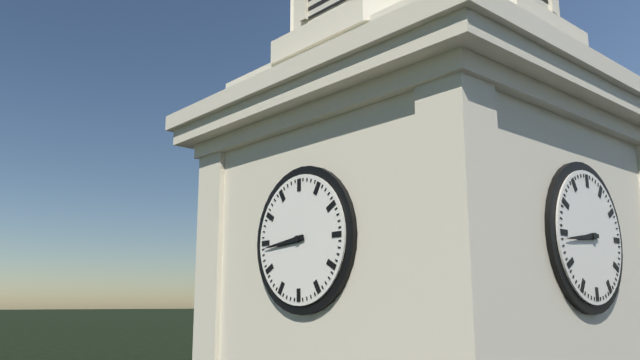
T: 8 h 44 min
